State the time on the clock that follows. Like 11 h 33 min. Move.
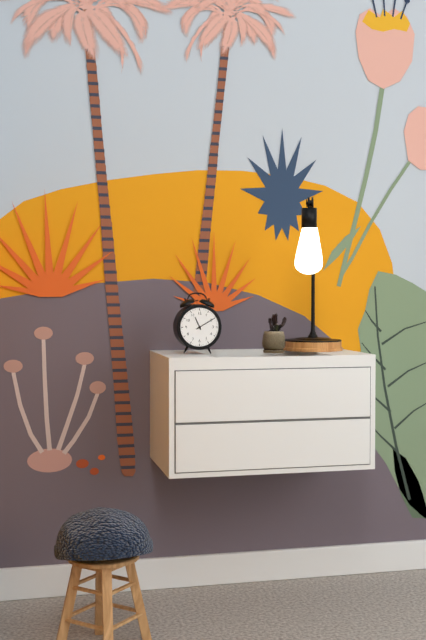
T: 11 h 10 min
